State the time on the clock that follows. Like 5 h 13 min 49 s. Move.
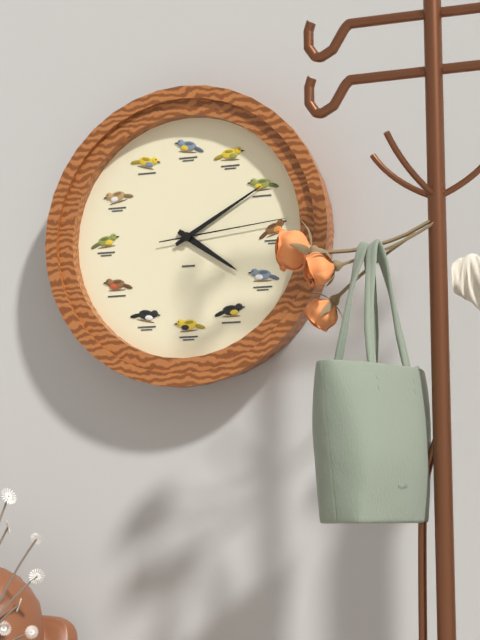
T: 4 h 10 min 14 s
